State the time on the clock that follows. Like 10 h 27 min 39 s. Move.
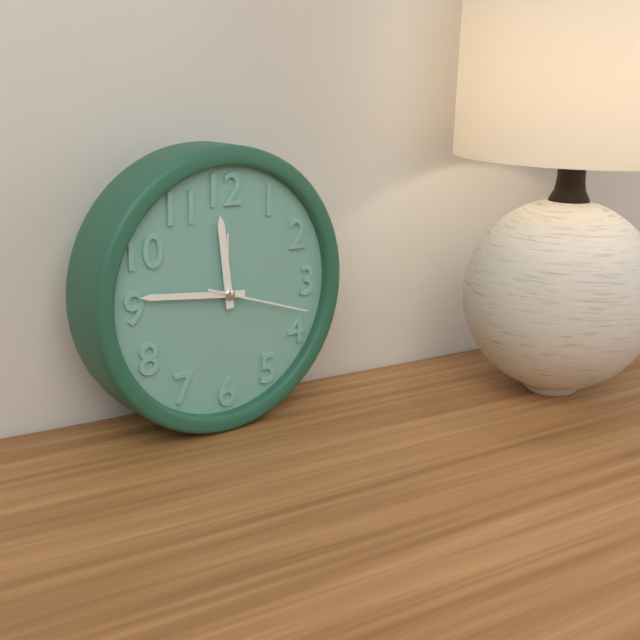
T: 11 h 46 min 18 s
